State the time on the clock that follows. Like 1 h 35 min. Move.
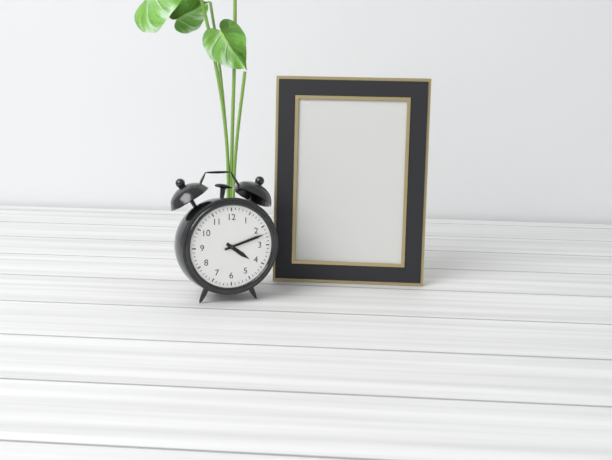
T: 4 h 12 min
